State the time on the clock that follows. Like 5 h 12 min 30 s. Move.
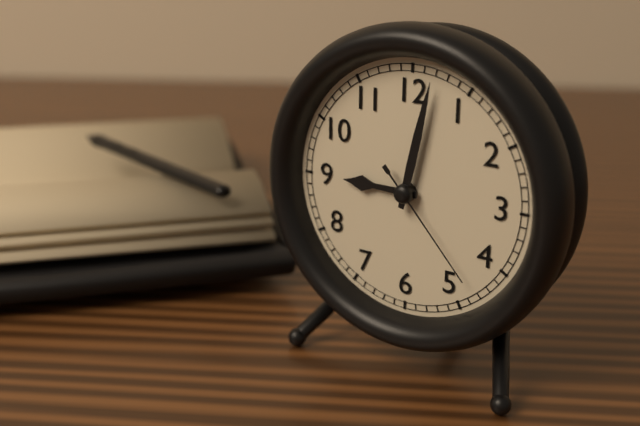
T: 9 h 02 min 23 s
